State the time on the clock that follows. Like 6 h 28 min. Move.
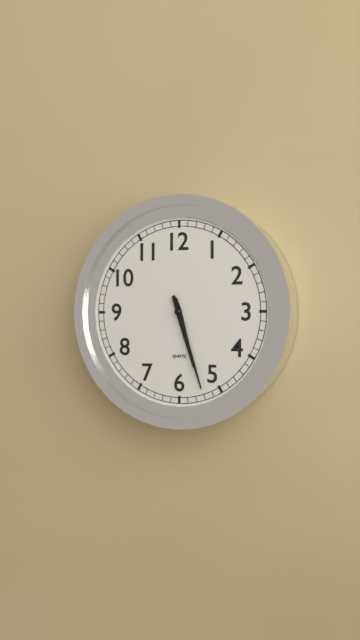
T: 5 h 27 min
